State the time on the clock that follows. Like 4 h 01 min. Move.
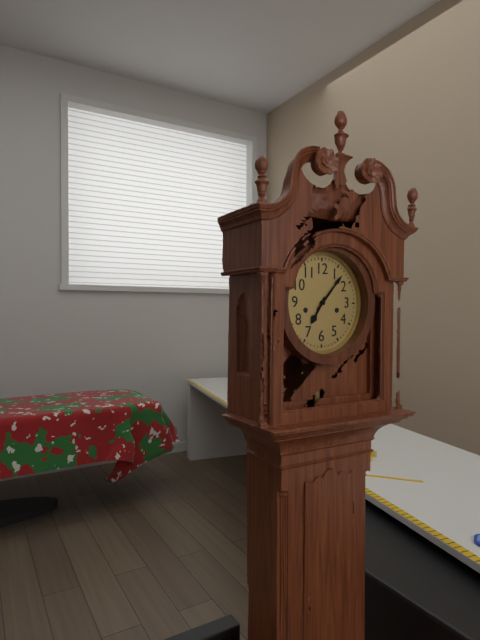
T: 7 h 07 min
